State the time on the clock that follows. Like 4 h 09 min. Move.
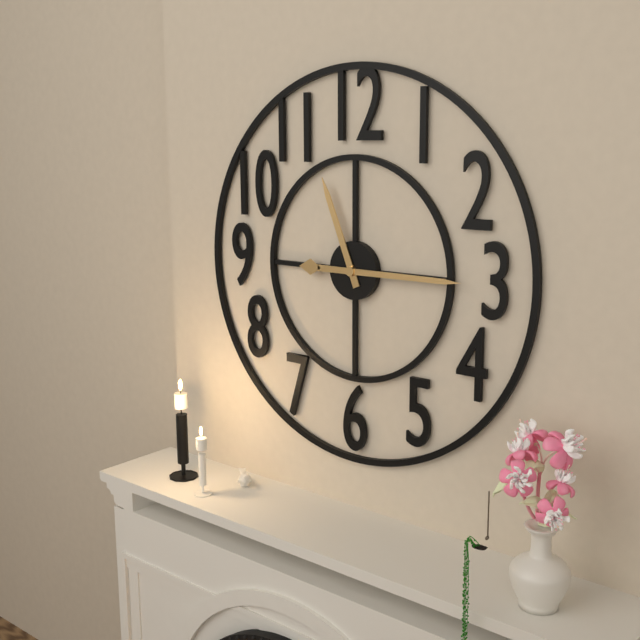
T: 11 h 15 min
